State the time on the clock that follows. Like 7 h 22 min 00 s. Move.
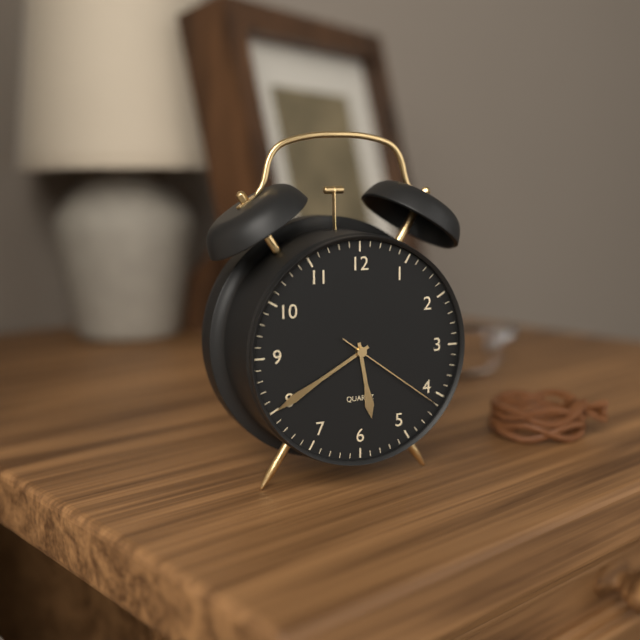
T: 5 h 40 min 21 s
